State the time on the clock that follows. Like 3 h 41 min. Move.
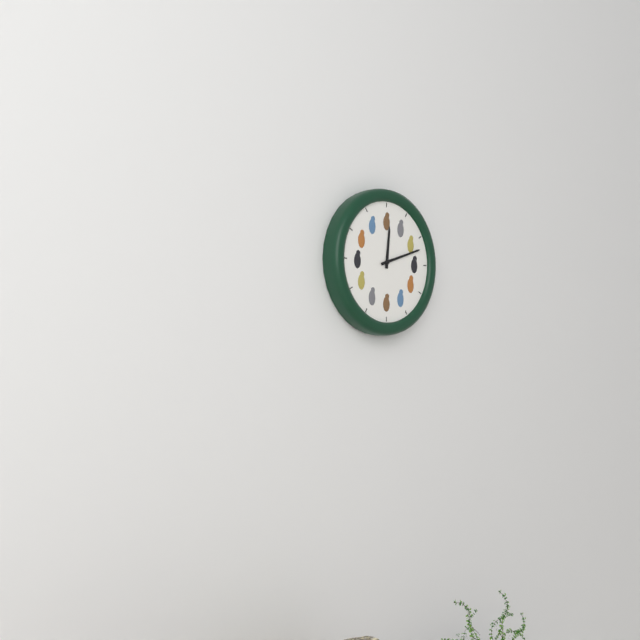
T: 12 h 12 min
